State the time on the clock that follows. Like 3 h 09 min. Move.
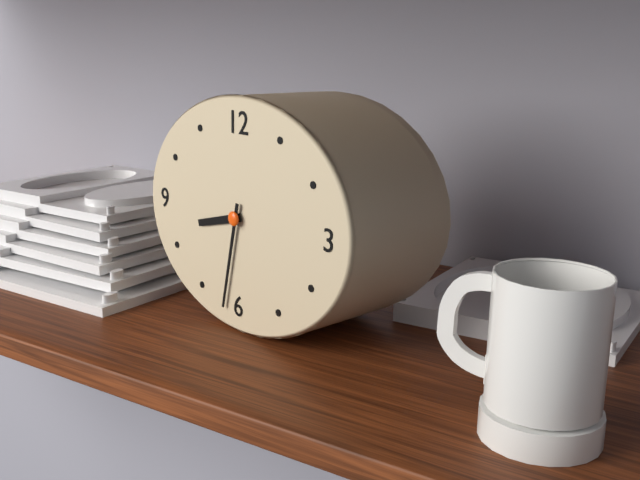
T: 8 h 32 min
